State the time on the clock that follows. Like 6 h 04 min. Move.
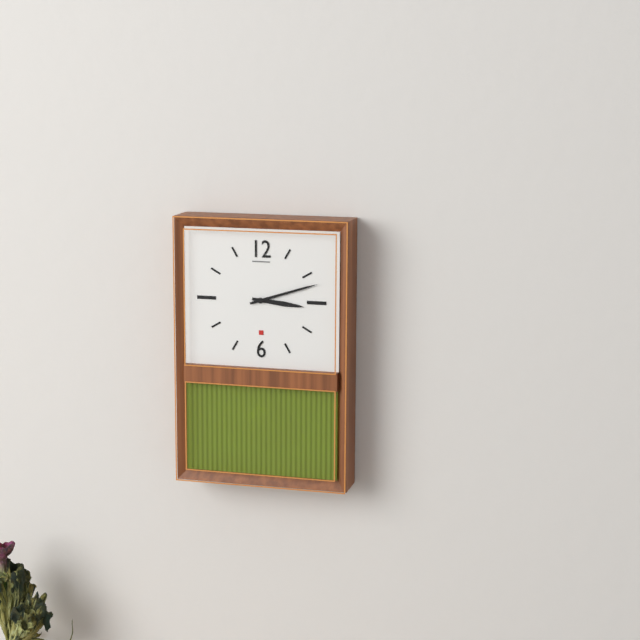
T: 3 h 12 min
